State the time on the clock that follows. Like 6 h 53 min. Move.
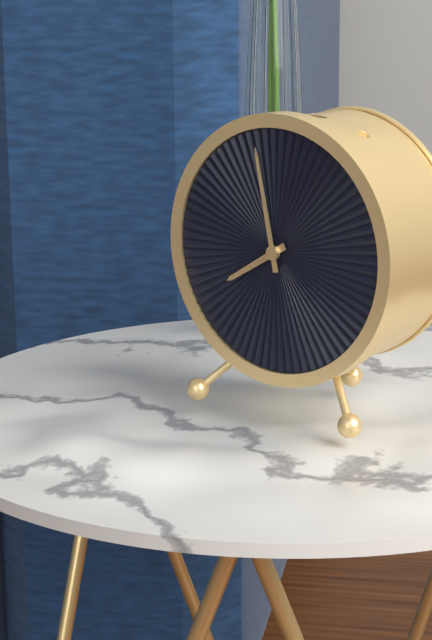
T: 7 h 58 min
